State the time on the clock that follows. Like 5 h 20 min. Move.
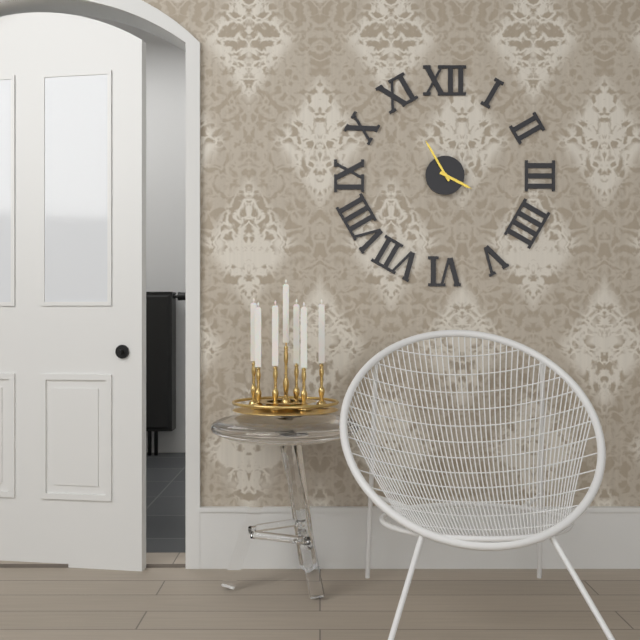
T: 3 h 55 min
